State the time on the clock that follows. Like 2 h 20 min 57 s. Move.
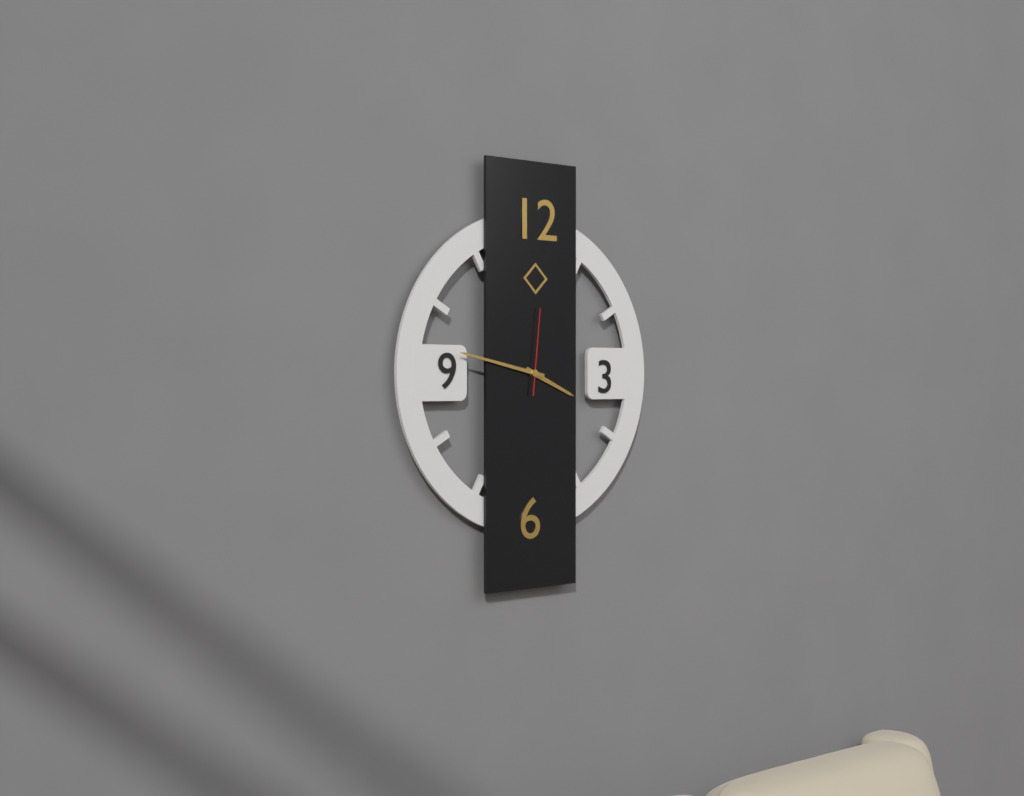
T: 3 h 47 min 01 s
